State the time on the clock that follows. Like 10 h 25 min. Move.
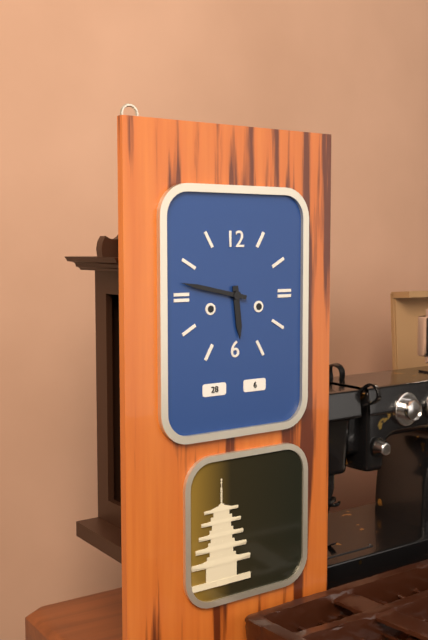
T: 5 h 47 min
